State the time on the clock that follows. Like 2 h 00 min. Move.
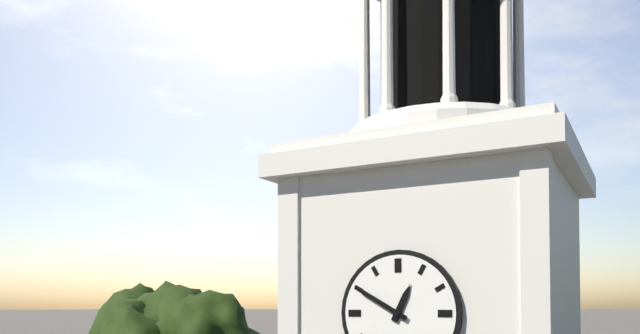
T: 12 h 50 min
